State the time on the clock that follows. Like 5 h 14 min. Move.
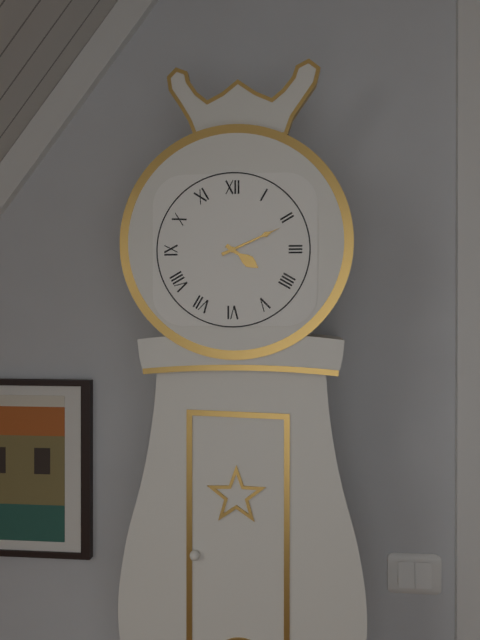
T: 4 h 11 min
